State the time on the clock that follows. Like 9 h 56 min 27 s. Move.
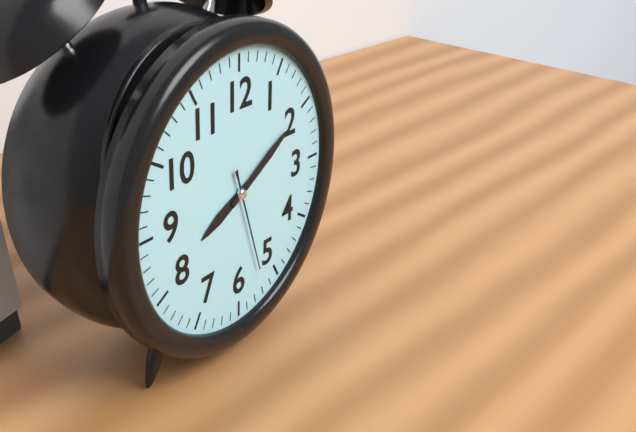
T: 8 h 10 min 27 s
